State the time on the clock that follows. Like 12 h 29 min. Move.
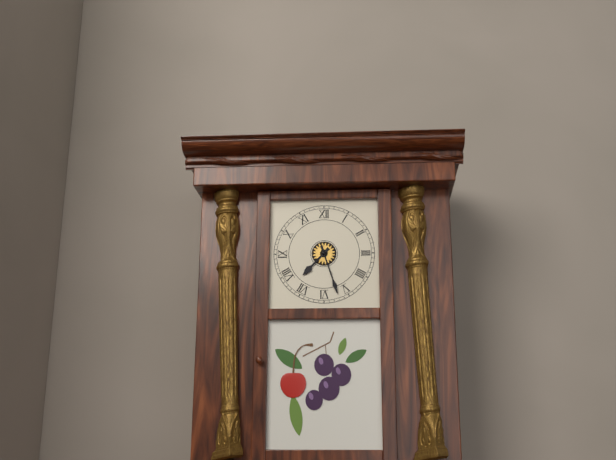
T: 7 h 27 min
